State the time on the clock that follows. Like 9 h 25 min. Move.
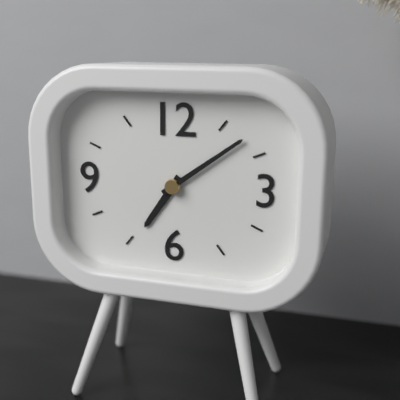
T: 7 h 09 min
